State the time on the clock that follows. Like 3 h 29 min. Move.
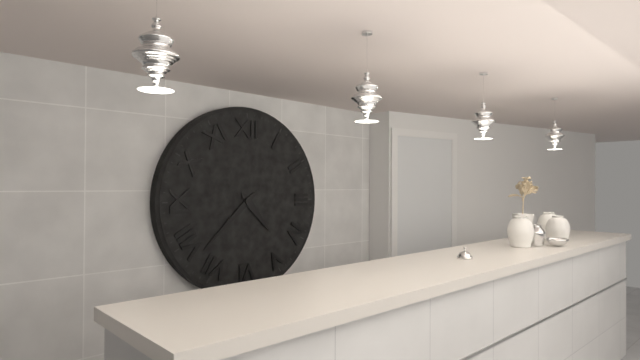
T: 4 h 38 min
